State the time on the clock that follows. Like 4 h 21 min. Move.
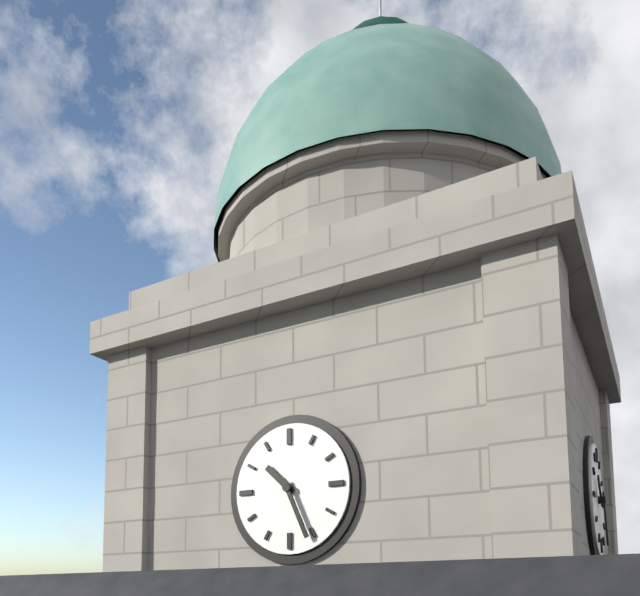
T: 10 h 26 min
